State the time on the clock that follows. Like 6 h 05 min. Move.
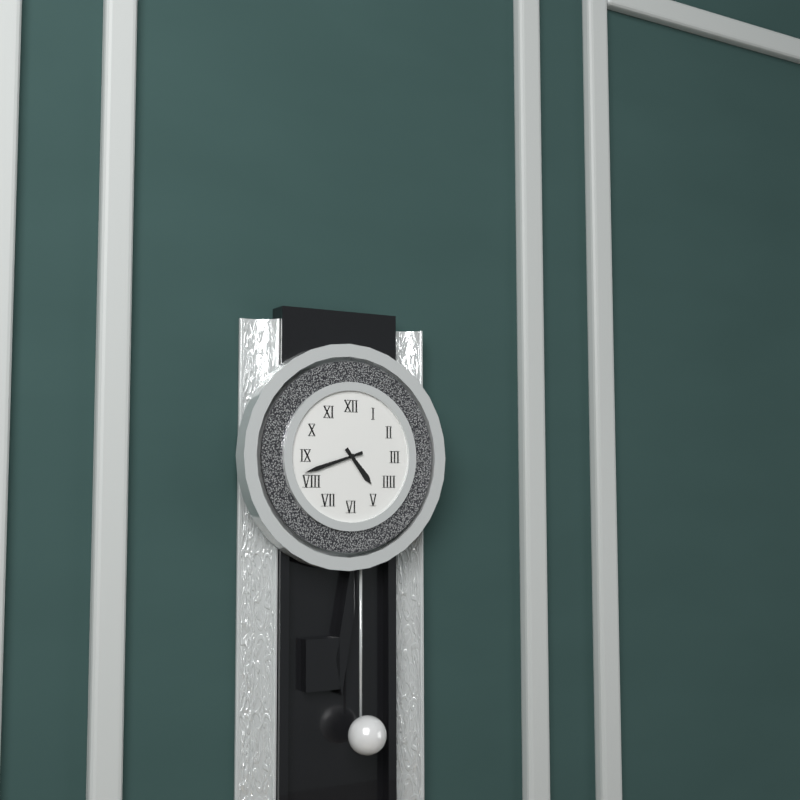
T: 4 h 42 min
